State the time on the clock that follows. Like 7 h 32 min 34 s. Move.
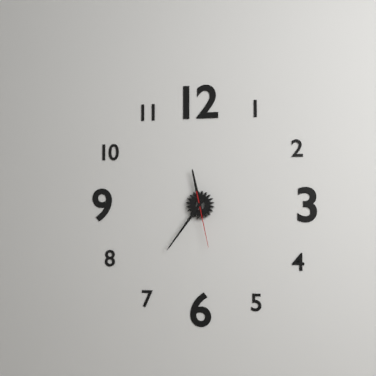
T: 11 h 36 min 28 s
